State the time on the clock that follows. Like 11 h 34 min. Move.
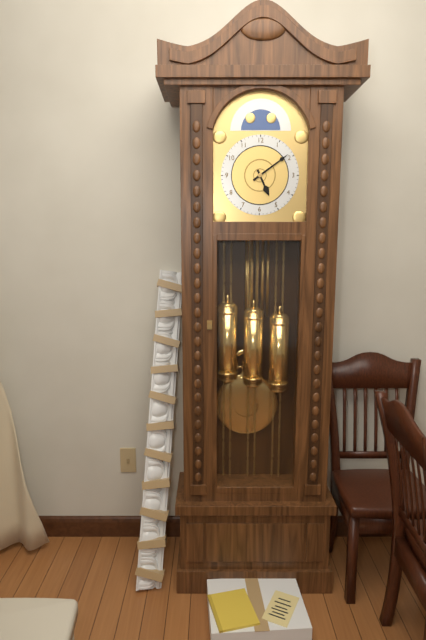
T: 5 h 09 min
